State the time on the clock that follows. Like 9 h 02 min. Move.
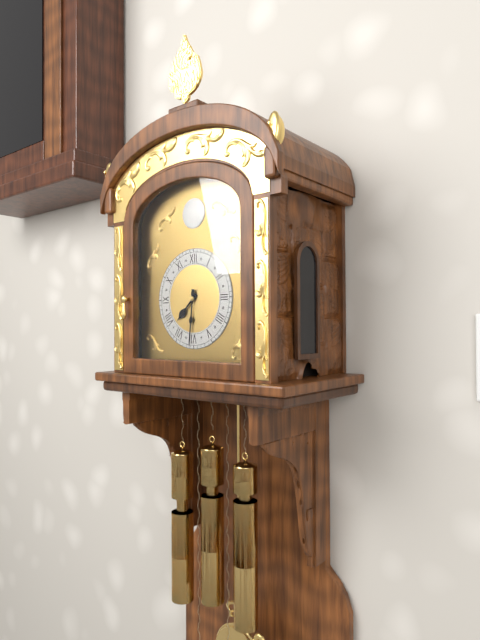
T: 7 h 31 min
